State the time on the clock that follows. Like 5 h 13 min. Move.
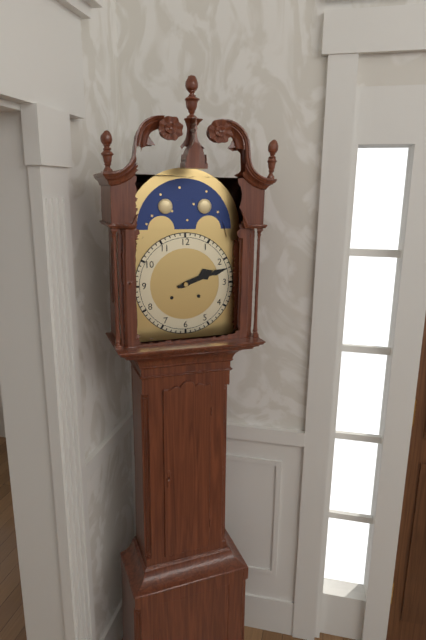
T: 2 h 12 min
